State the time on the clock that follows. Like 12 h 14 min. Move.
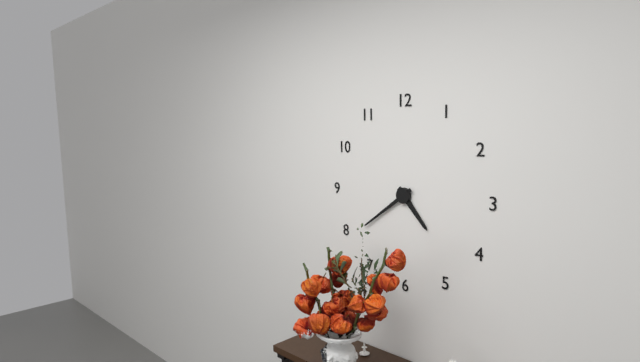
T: 4 h 39 min
